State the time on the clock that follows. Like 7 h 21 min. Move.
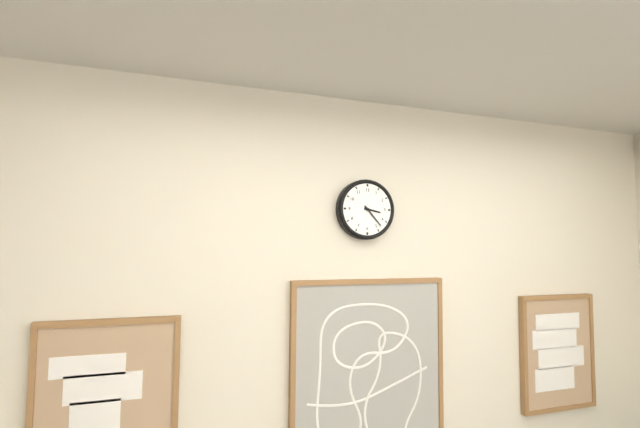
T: 3 h 23 min
